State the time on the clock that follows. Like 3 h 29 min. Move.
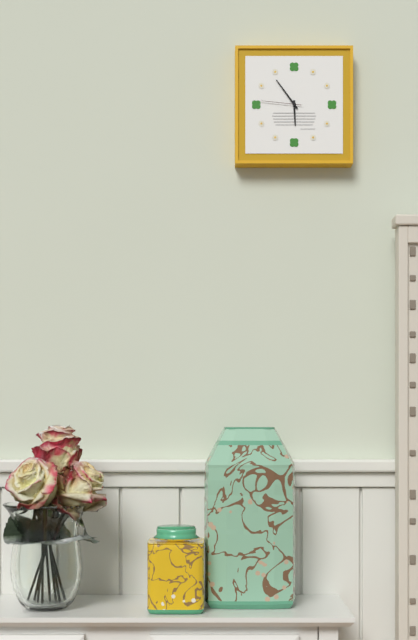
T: 5 h 54 min
